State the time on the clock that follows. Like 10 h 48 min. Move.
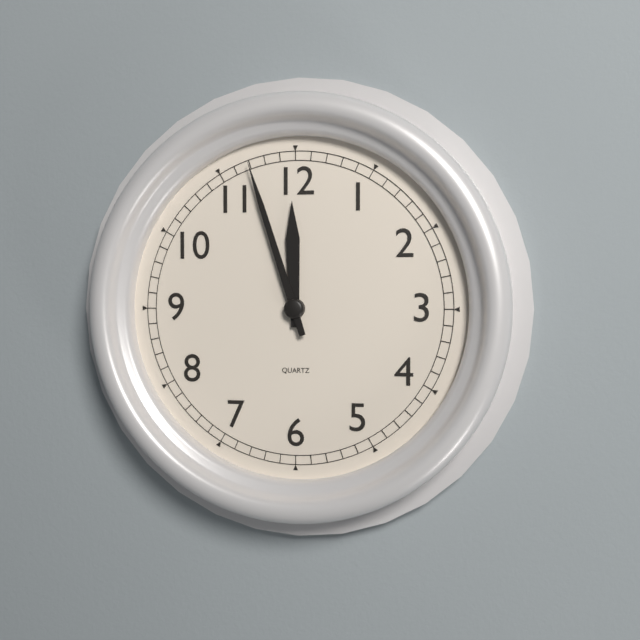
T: 11 h 57 min
